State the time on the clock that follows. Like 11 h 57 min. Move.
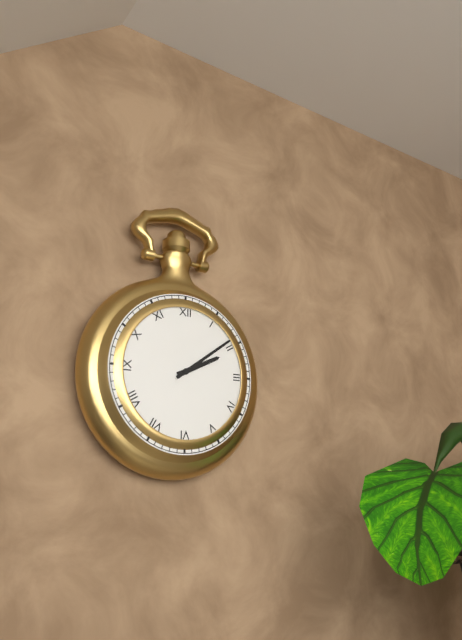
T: 2 h 09 min
